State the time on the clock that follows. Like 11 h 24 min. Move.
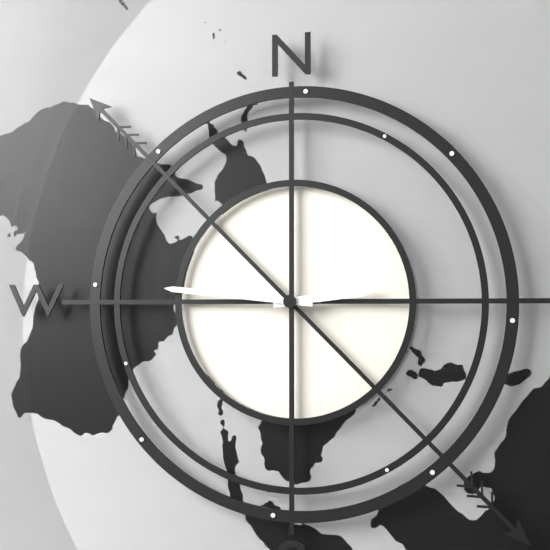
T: 2 h 46 min
